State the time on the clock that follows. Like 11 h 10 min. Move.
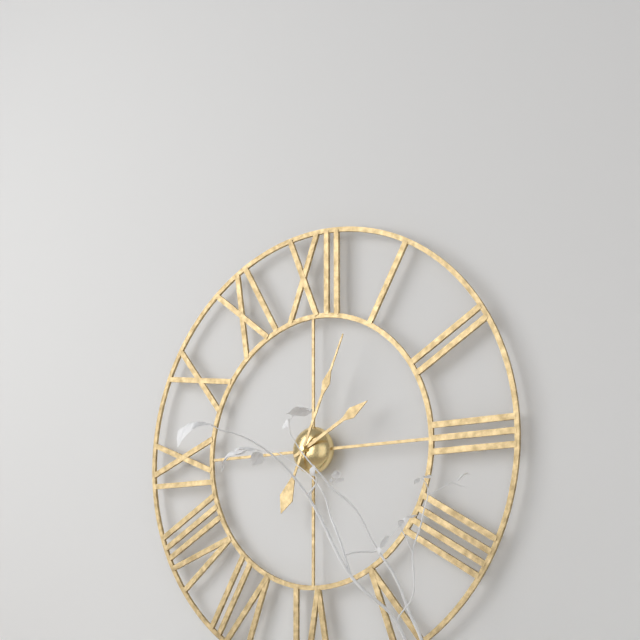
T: 2 h 04 min
